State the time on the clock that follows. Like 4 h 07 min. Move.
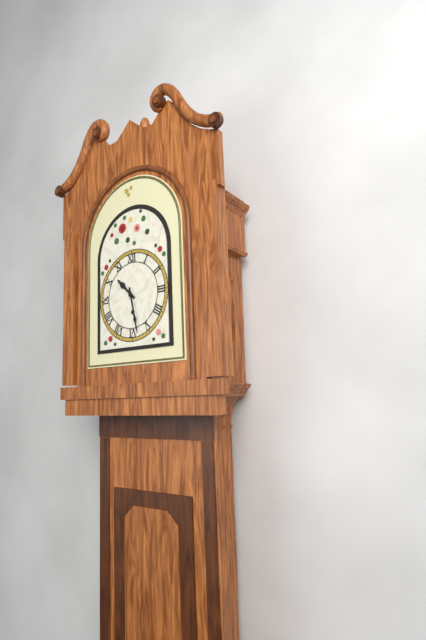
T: 10 h 28 min
